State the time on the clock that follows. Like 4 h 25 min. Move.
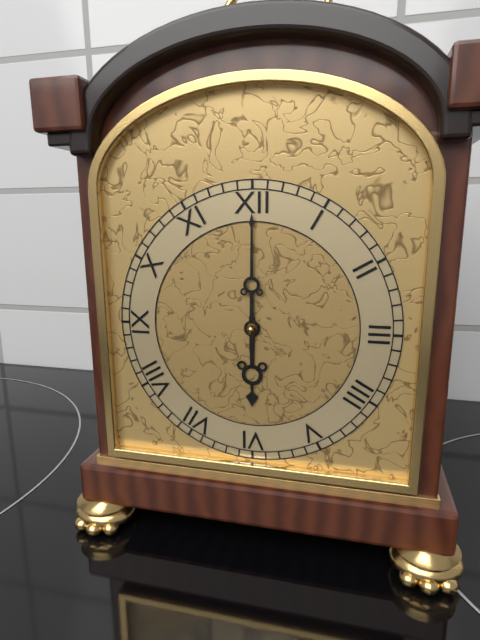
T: 6 h 00 min
